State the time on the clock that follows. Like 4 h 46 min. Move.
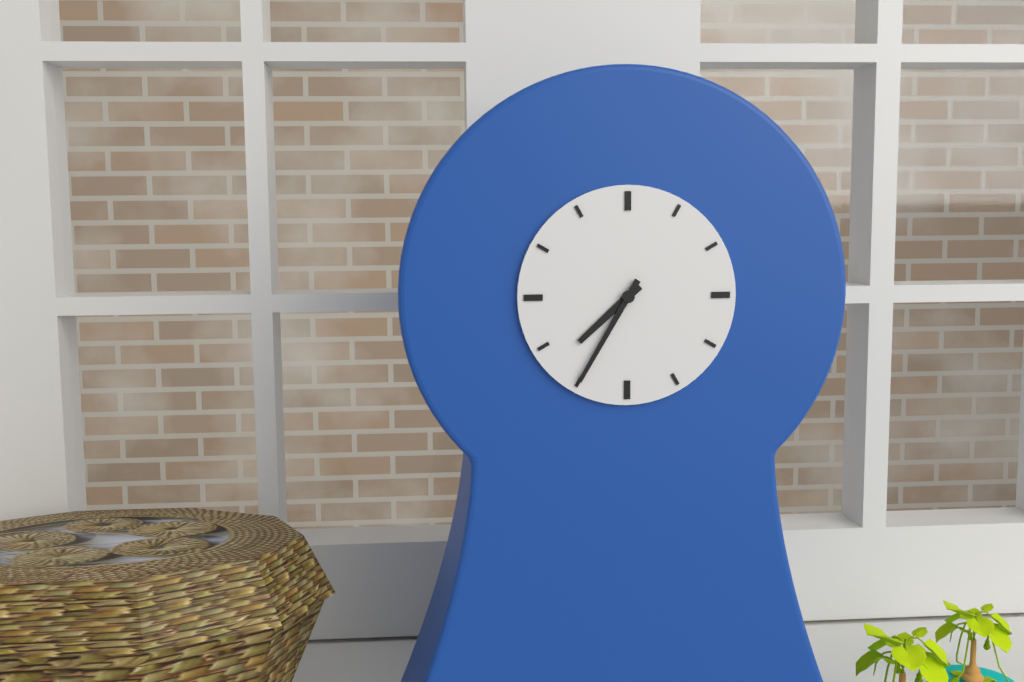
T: 7 h 35 min
